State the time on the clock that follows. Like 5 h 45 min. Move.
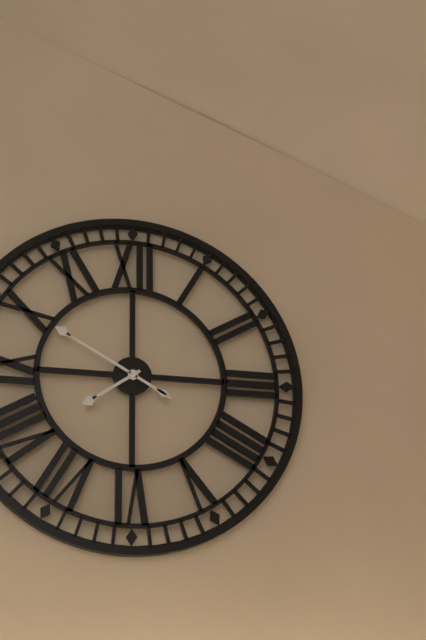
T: 7 h 50 min
